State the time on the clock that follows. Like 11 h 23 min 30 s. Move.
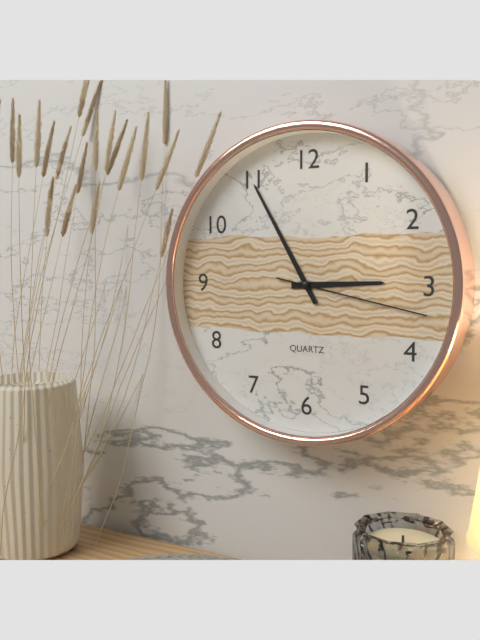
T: 2 h 55 min 17 s
